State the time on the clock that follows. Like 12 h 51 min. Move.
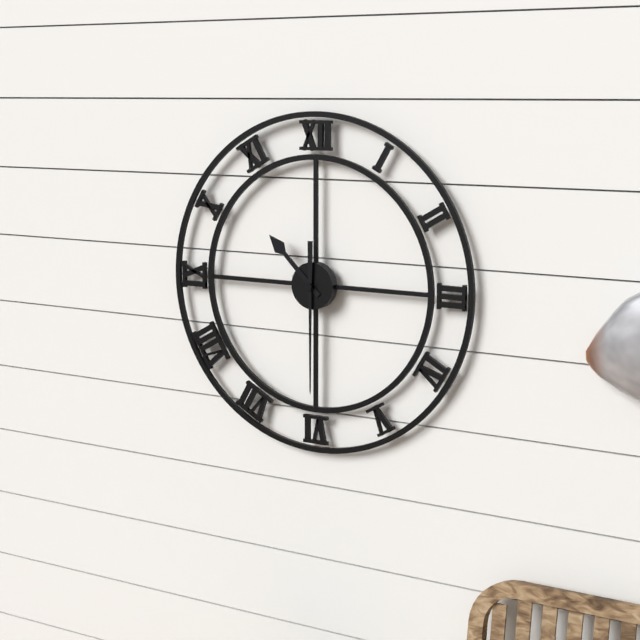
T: 10 h 30 min
